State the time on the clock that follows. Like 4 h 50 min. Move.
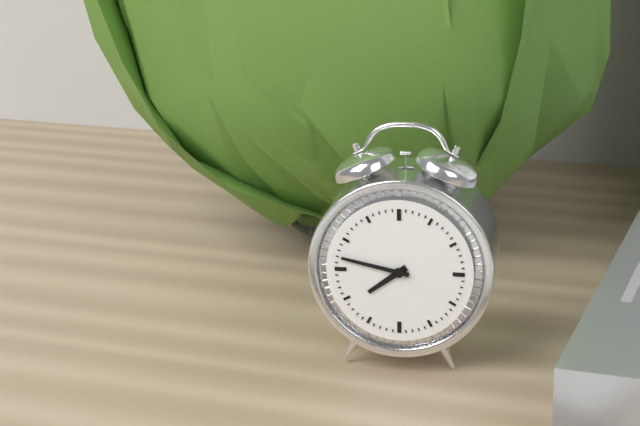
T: 7 h 47 min
